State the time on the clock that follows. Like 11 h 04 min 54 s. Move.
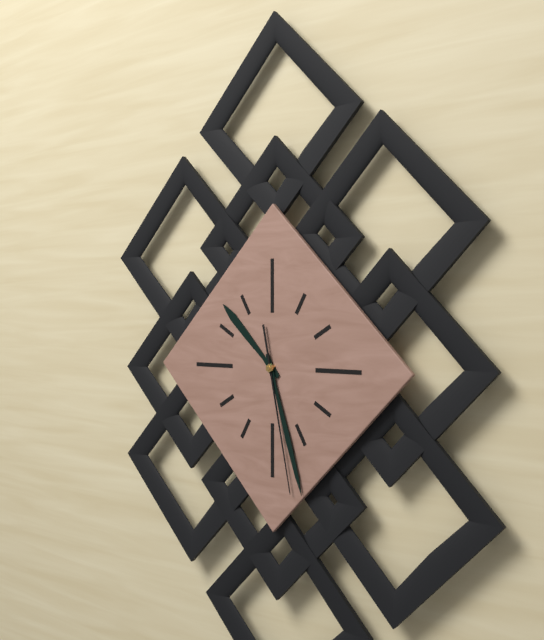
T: 10 h 27 min 28 s
